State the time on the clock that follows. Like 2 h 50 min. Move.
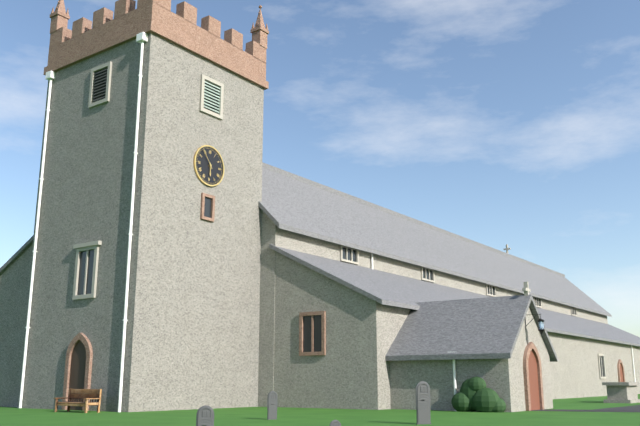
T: 5 h 54 min
